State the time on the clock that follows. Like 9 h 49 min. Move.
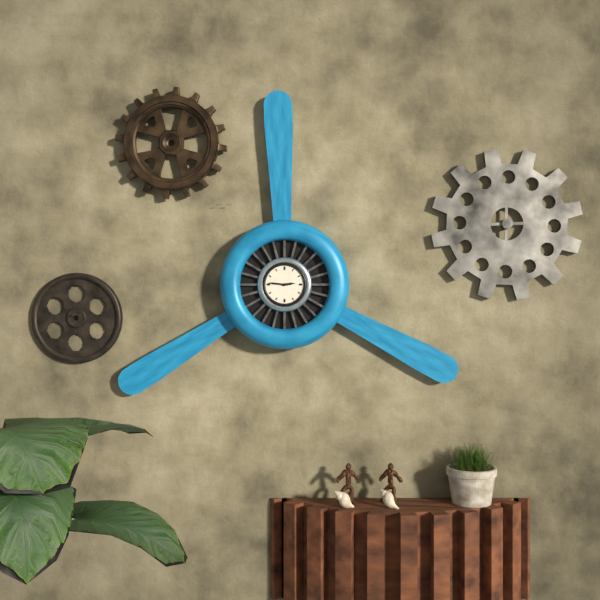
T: 2 h 46 min
